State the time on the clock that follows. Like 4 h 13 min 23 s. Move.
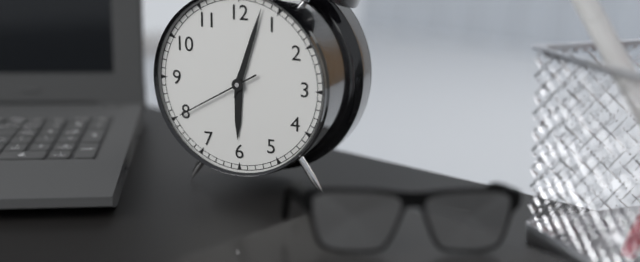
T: 6 h 03 min 40 s
